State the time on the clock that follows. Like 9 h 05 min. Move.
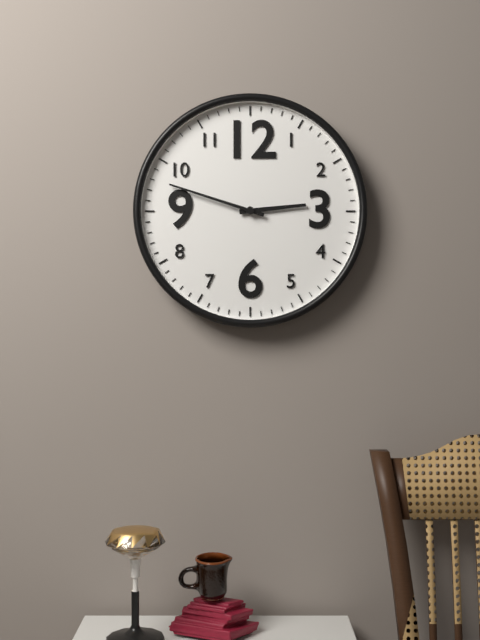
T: 2 h 48 min
